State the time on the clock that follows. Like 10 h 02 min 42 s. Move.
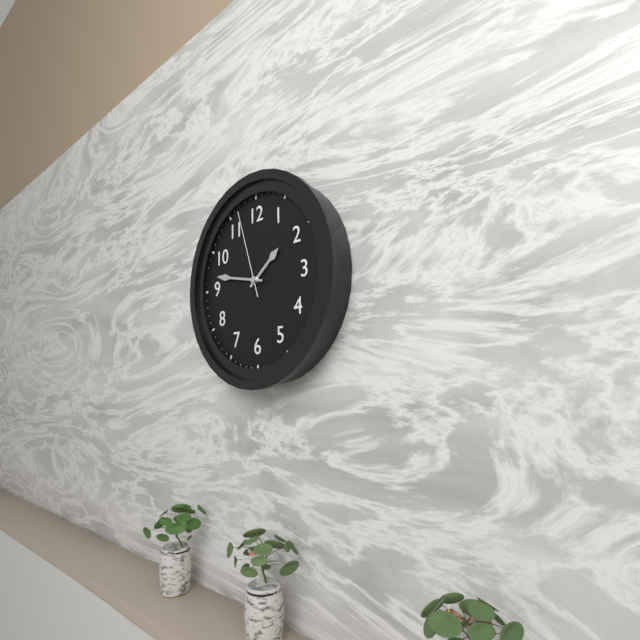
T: 1 h 47 min 57 s
